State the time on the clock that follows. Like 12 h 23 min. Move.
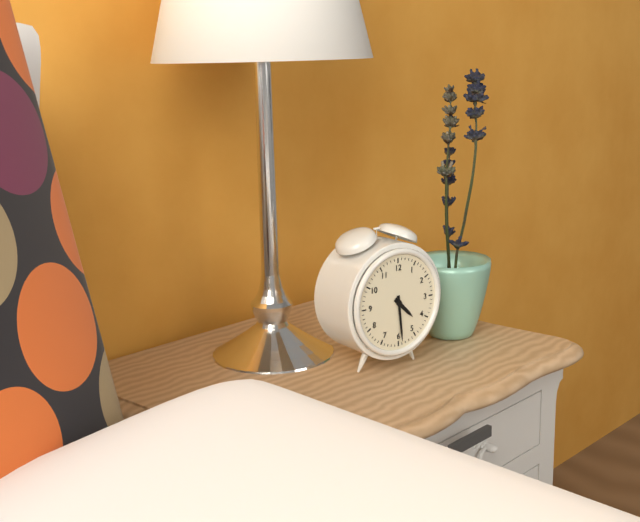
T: 4 h 29 min
